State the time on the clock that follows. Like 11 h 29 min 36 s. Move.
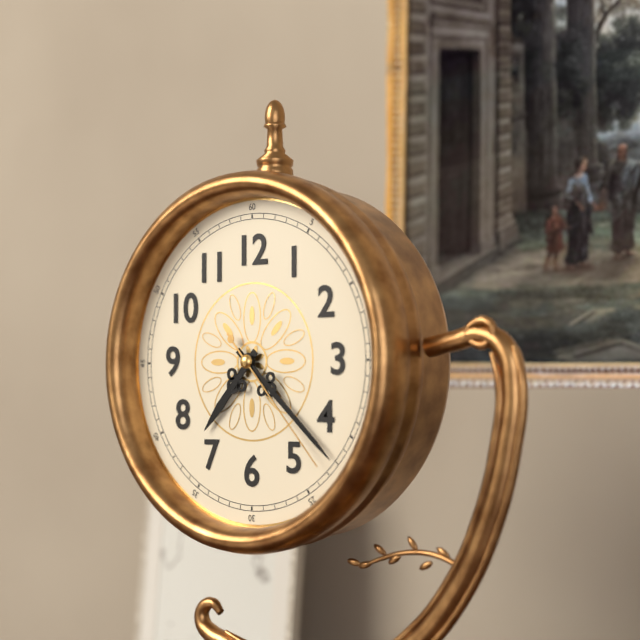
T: 7 h 22 min 23 s
